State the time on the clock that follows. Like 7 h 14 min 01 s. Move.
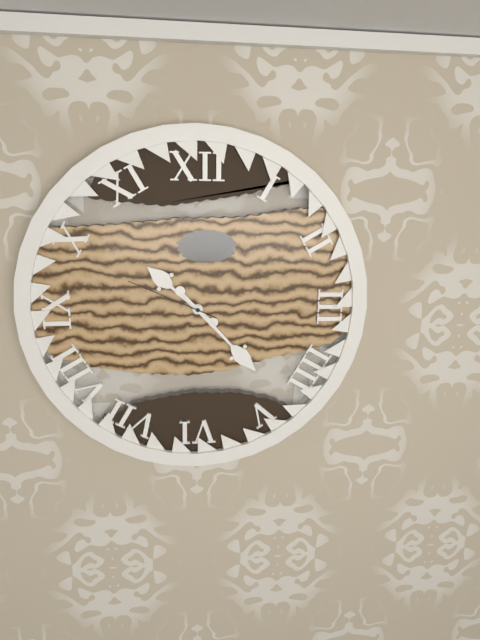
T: 10 h 23 min 49 s
